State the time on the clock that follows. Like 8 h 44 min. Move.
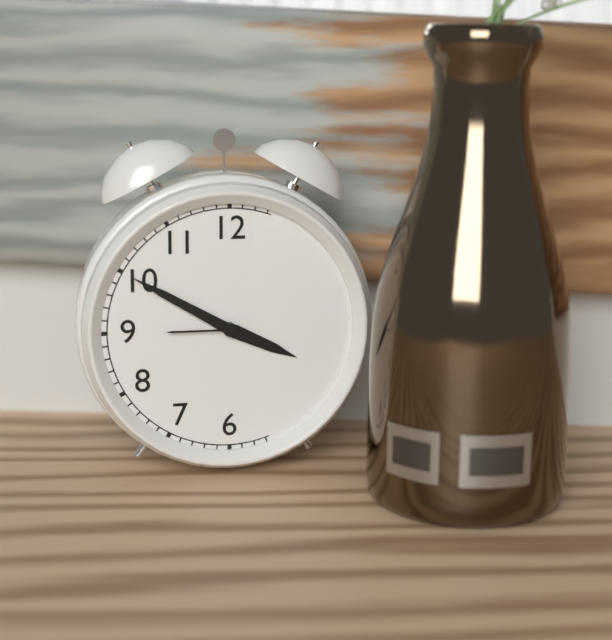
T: 3 h 50 min
